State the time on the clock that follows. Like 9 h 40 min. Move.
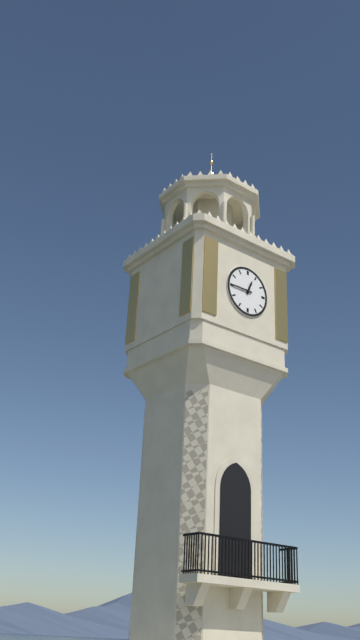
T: 12 h 45 min
